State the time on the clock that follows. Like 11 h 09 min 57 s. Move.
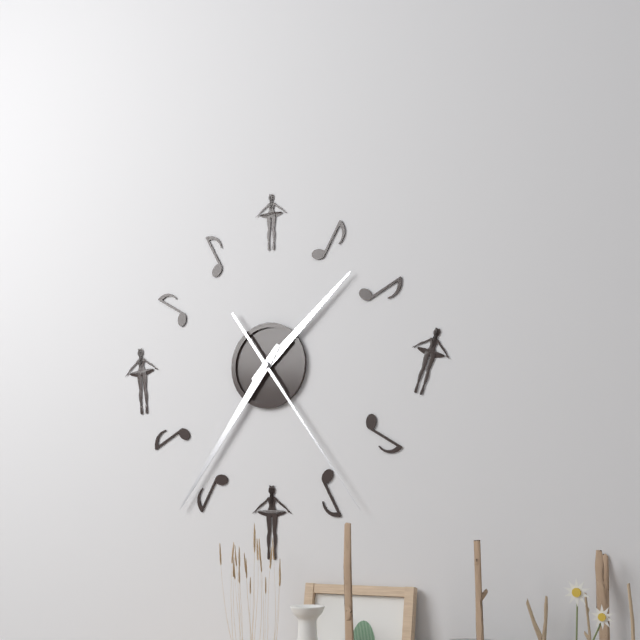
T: 1 h 36 min 24 s
